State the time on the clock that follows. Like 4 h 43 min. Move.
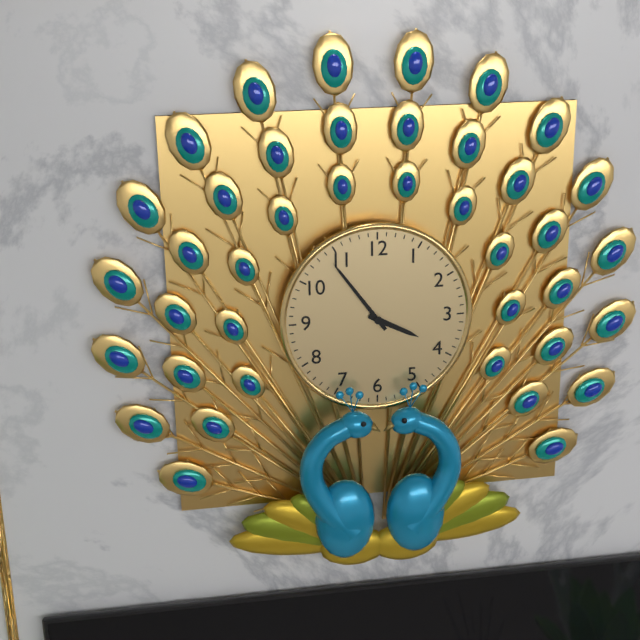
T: 3 h 54 min
